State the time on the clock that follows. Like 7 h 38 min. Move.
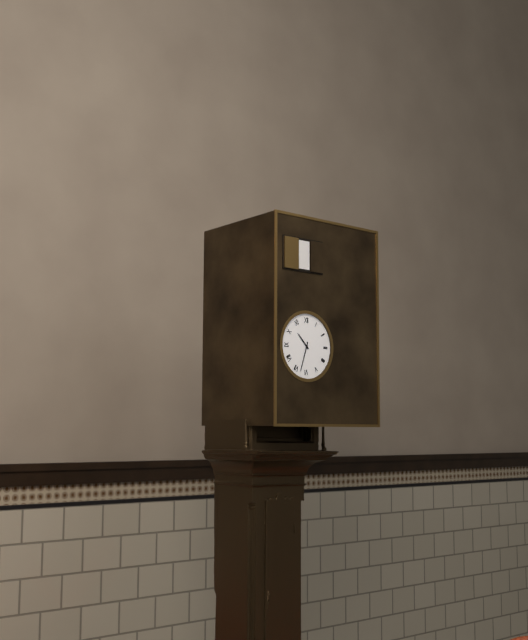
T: 10 h 33 min
